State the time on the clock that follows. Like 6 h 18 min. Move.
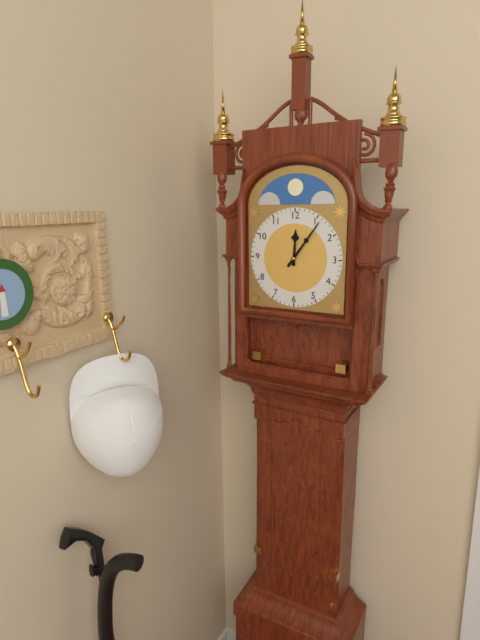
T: 12 h 06 min
